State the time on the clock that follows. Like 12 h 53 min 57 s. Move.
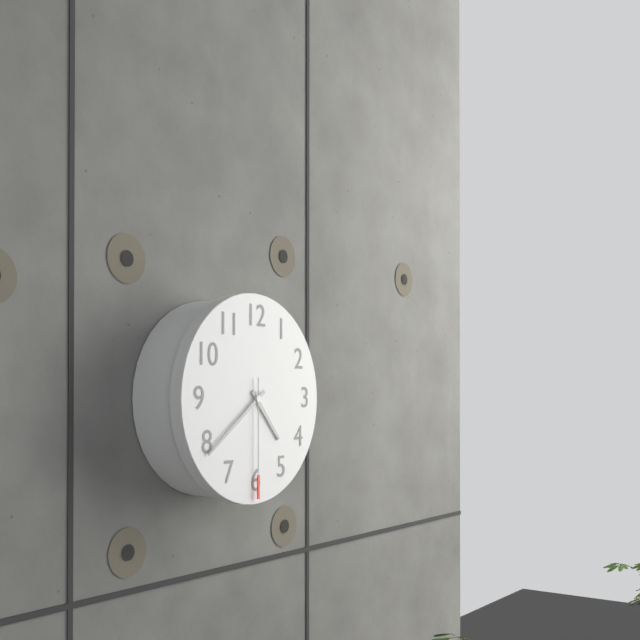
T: 4 h 39 min 30 s
